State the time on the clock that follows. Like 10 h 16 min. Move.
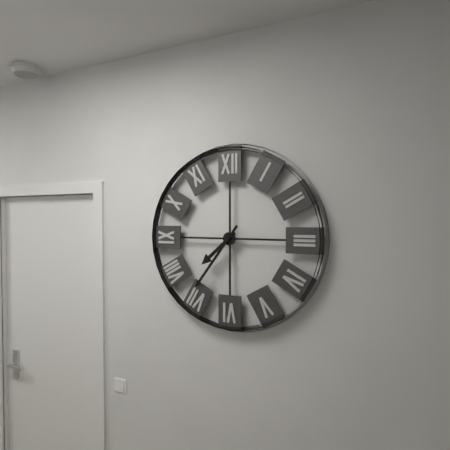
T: 7 h 36 min
